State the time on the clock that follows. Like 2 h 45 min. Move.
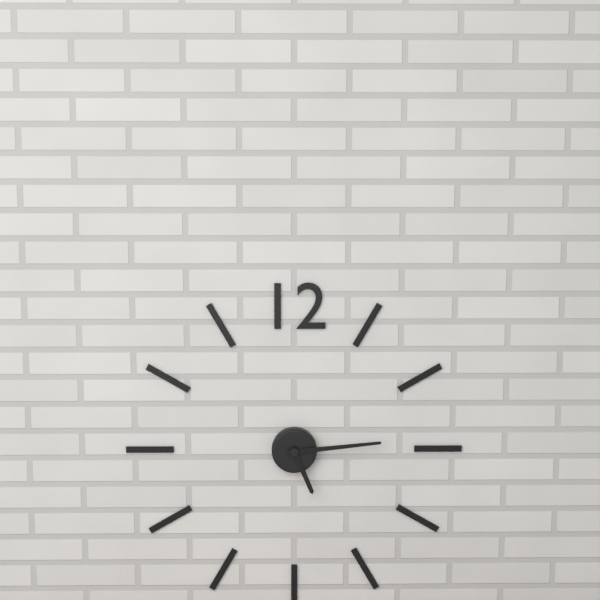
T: 5 h 14 min
